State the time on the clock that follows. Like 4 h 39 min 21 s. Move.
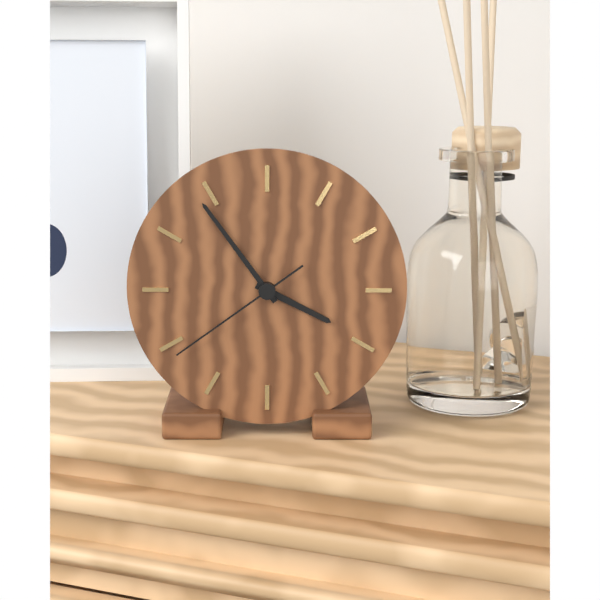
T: 3 h 54 min 39 s
